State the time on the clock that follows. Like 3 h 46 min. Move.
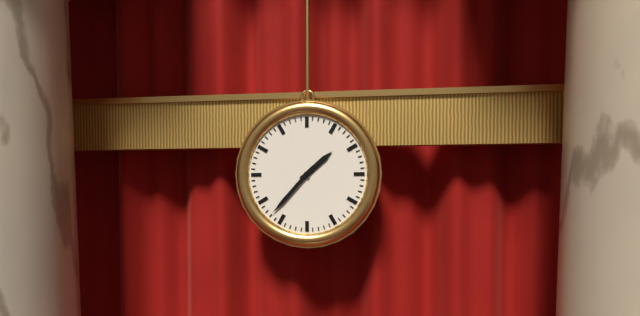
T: 1 h 37 min
